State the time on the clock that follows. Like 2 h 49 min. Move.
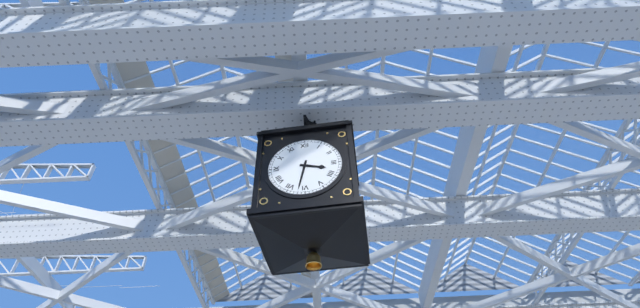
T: 3 h 32 min
